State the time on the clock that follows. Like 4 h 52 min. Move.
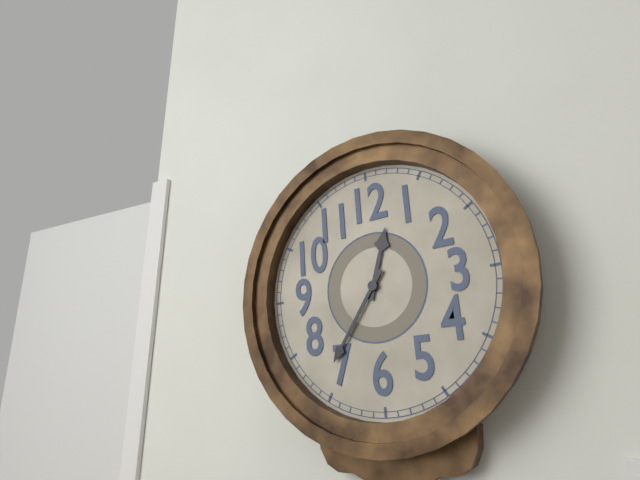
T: 12 h 36 min
